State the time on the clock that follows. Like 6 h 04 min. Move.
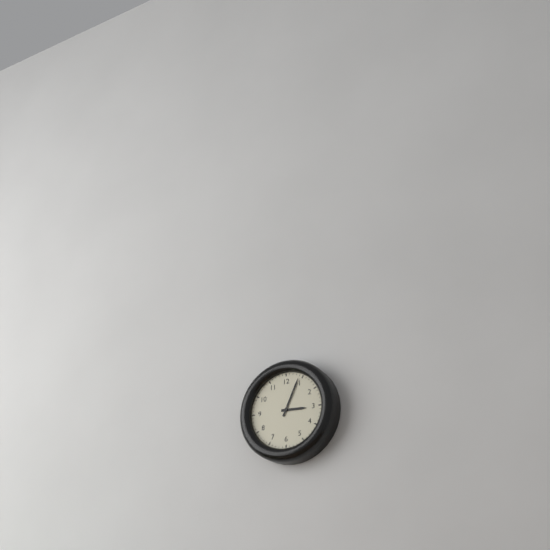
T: 3 h 04 min
